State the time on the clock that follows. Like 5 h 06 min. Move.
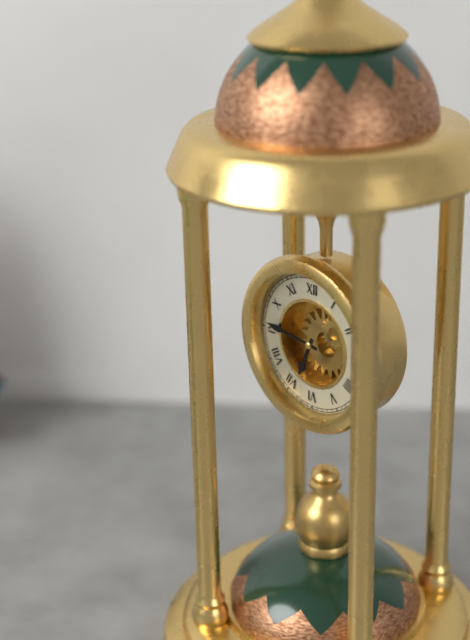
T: 6 h 46 min
